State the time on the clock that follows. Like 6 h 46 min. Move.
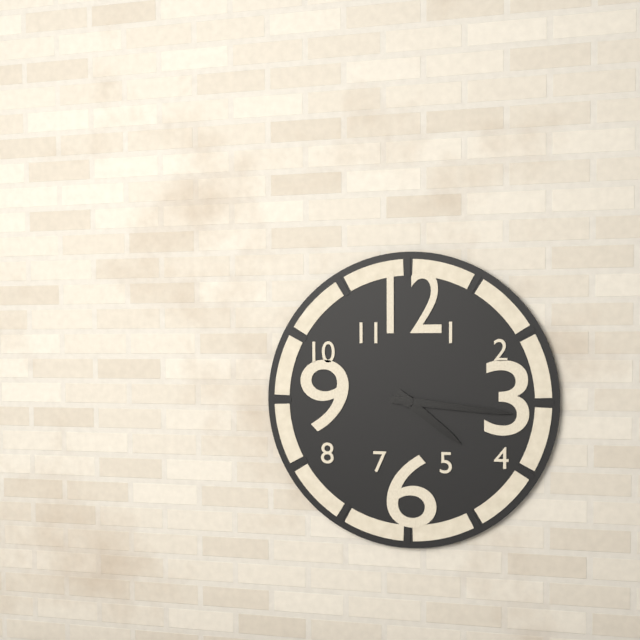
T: 4 h 16 min
